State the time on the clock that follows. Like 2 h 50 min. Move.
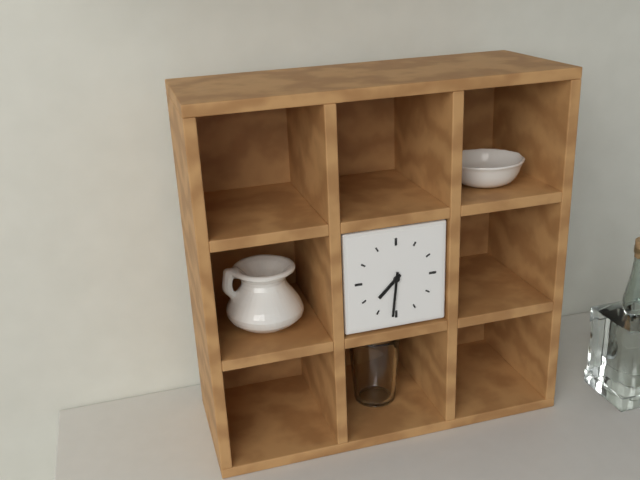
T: 7 h 31 min
